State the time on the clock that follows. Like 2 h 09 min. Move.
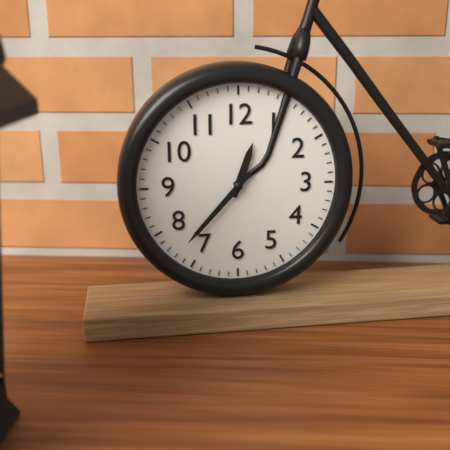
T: 12 h 37 min
